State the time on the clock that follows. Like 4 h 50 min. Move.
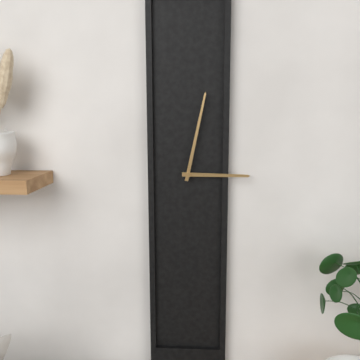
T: 3 h 02 min
